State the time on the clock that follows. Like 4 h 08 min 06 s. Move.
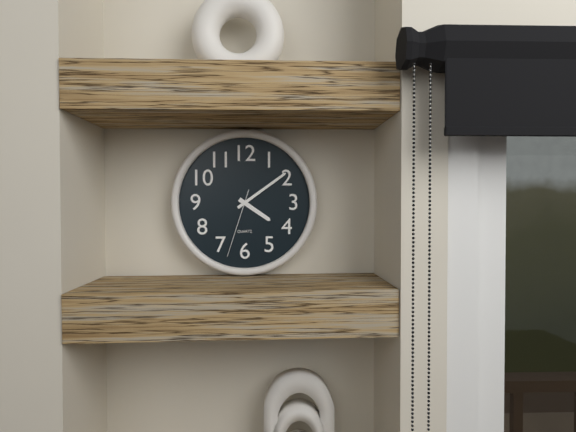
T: 4 h 09 min 33 s
